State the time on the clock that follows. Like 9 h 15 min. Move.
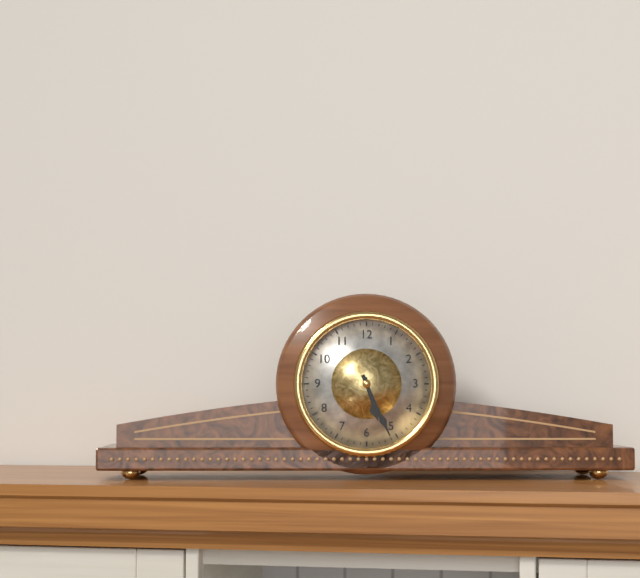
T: 5 h 26 min
